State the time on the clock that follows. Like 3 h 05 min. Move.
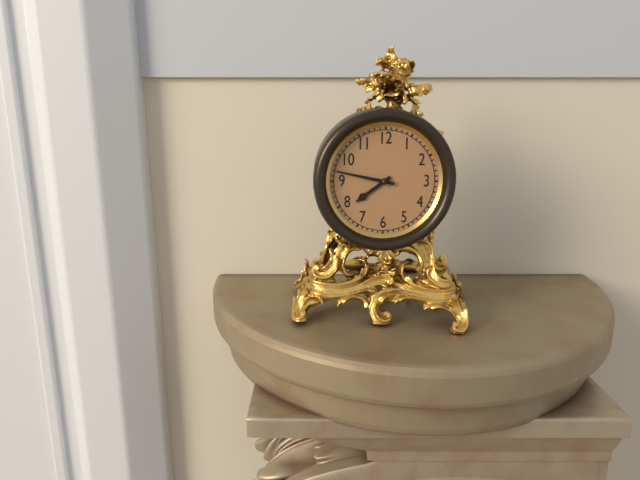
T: 7 h 47 min
